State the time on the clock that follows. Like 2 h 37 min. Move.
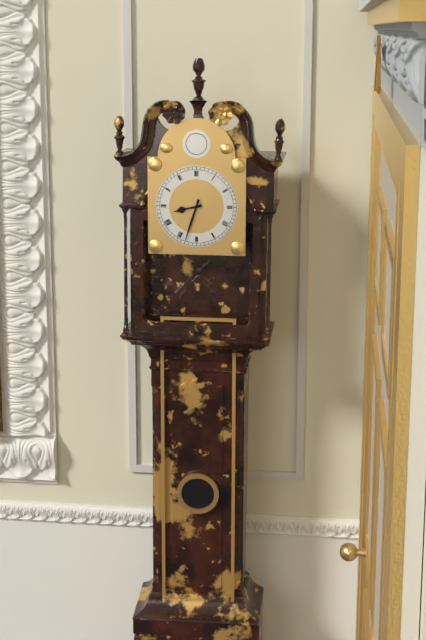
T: 8 h 33 min
